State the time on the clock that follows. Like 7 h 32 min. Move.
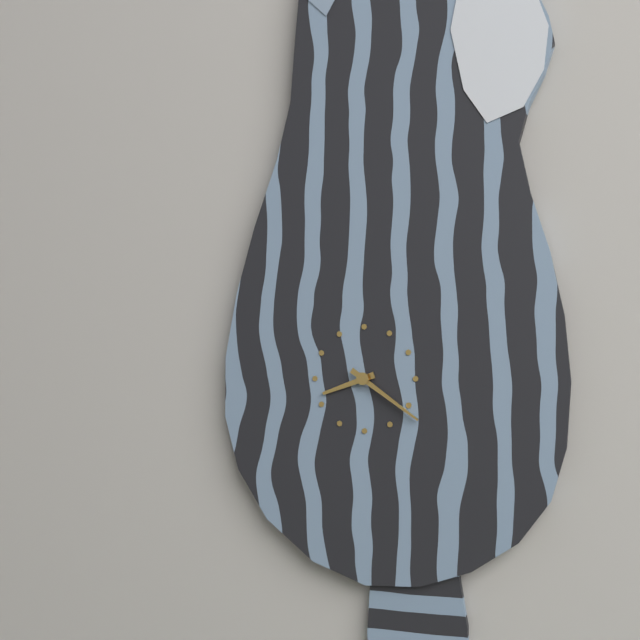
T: 8 h 21 min
